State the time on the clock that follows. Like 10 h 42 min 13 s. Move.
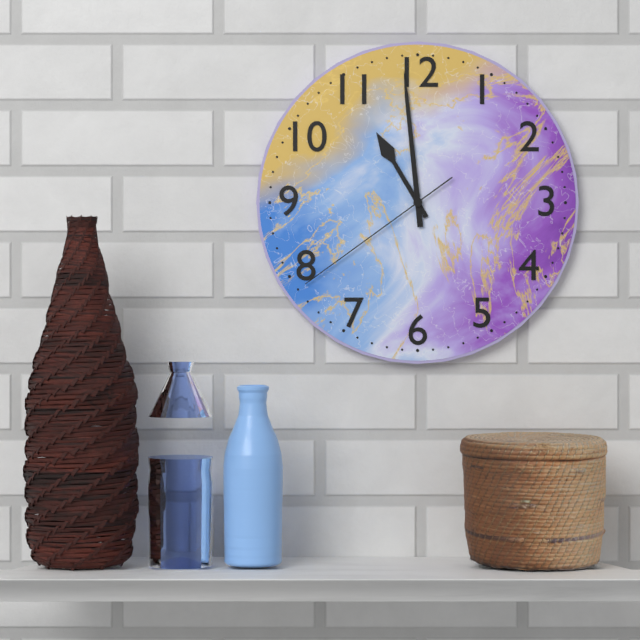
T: 10 h 59 min 39 s
